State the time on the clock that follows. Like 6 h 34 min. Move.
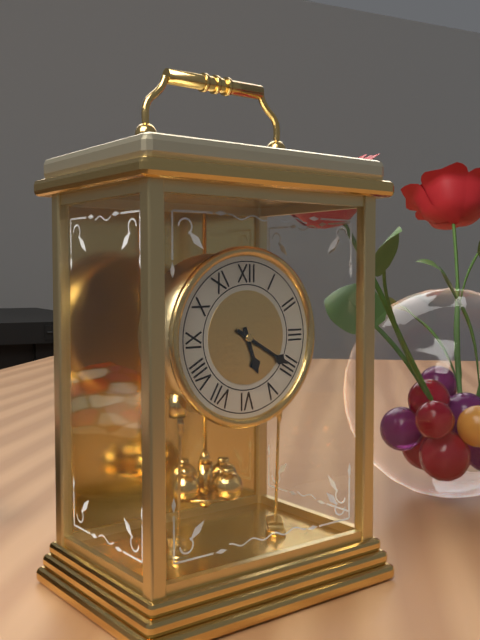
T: 5 h 20 min
